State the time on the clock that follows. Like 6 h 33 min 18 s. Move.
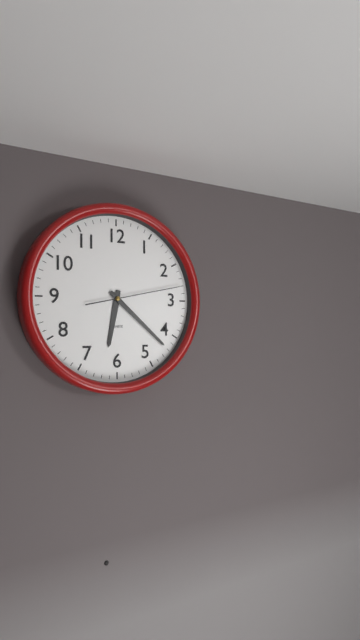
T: 6 h 22 min 13 s
